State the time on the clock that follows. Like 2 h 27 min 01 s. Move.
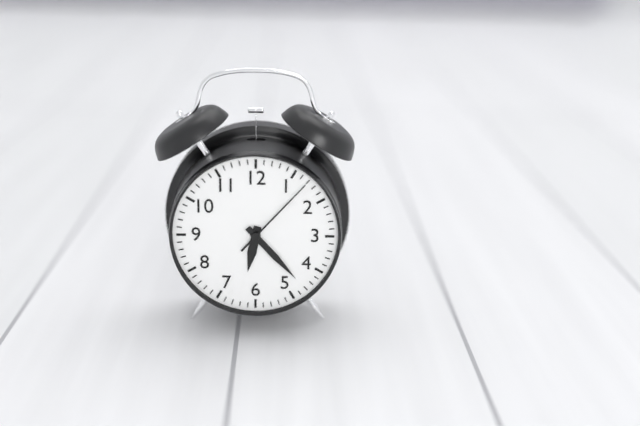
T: 6 h 23 min 07 s
